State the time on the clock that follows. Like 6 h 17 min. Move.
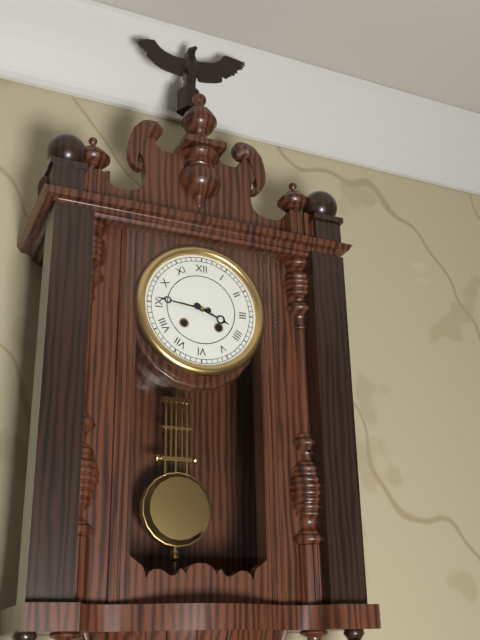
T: 3 h 46 min
